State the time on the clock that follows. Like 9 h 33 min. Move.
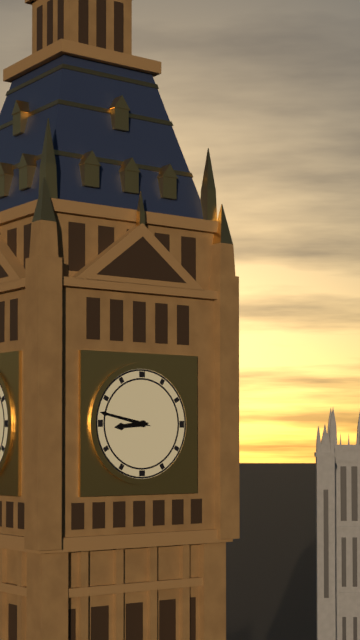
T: 8 h 47 min
